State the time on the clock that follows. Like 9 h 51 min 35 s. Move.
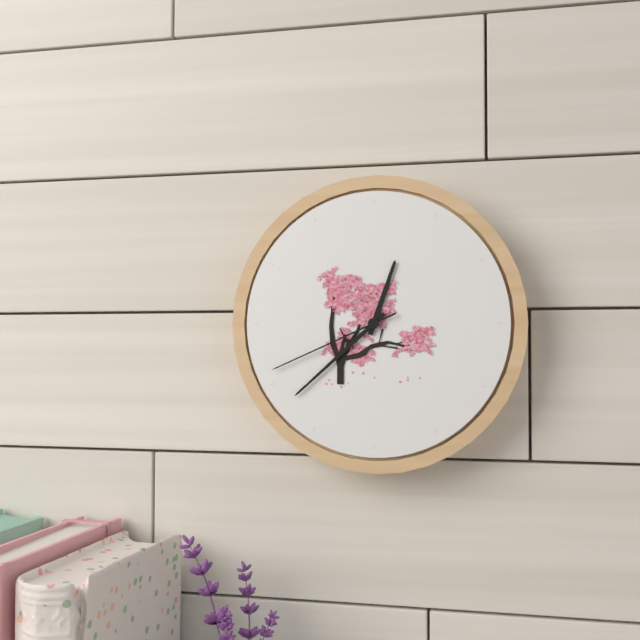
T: 12 h 38 min 41 s
